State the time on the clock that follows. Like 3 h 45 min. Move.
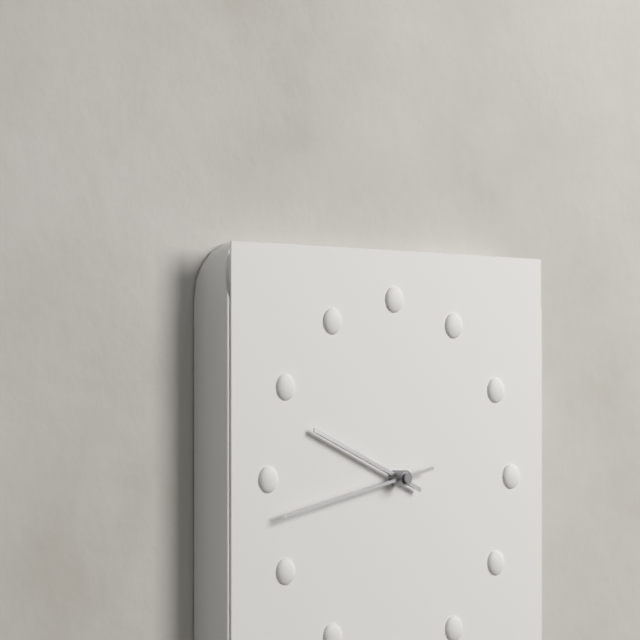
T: 9 h 43 min
